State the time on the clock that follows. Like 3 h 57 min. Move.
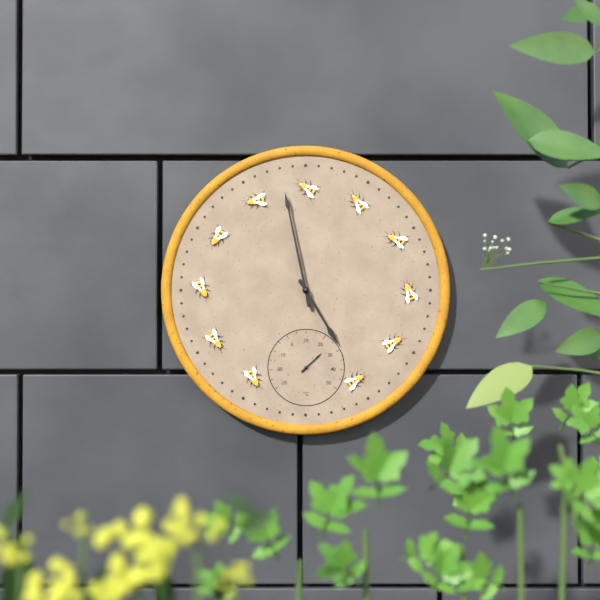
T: 4 h 58 min
